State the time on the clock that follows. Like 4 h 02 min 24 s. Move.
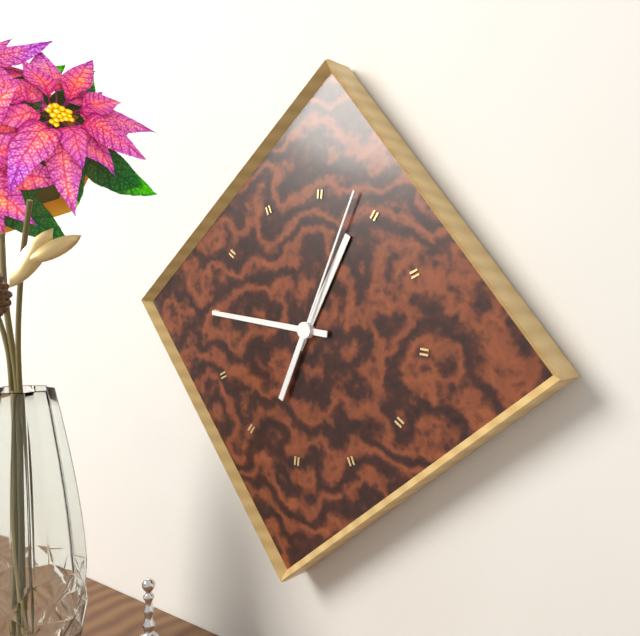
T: 12 h 45 min 03 s
